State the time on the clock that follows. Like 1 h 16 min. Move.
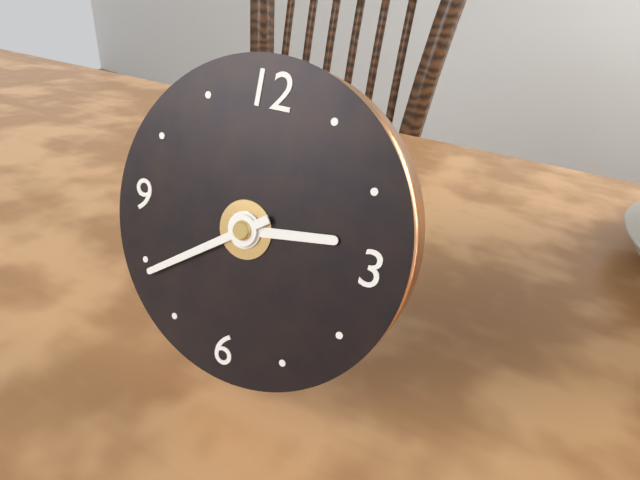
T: 2 h 39 min
